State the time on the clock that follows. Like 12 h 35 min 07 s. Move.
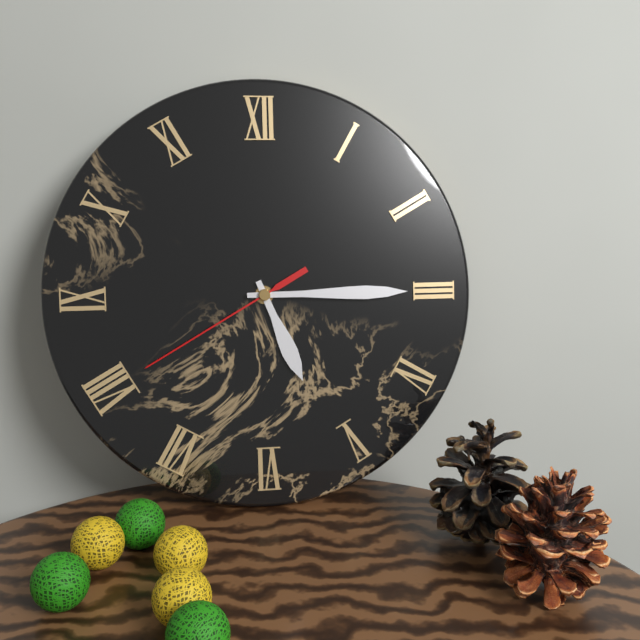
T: 5 h 15 min 40 s
